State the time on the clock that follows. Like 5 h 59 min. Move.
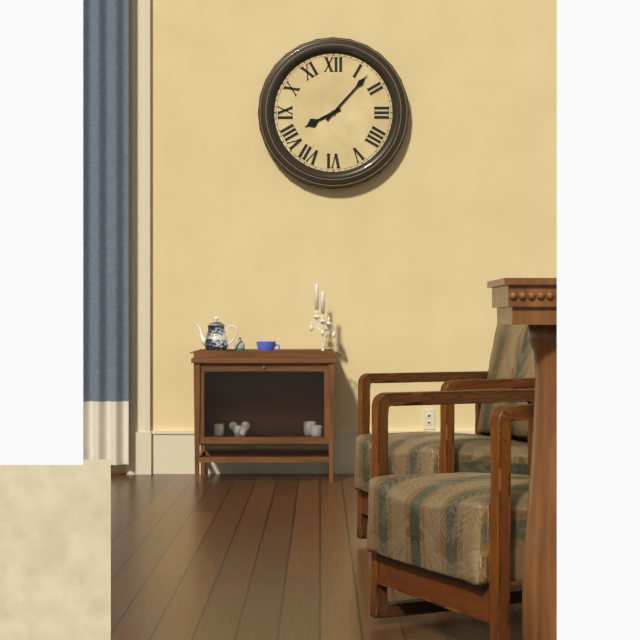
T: 8 h 07 min
